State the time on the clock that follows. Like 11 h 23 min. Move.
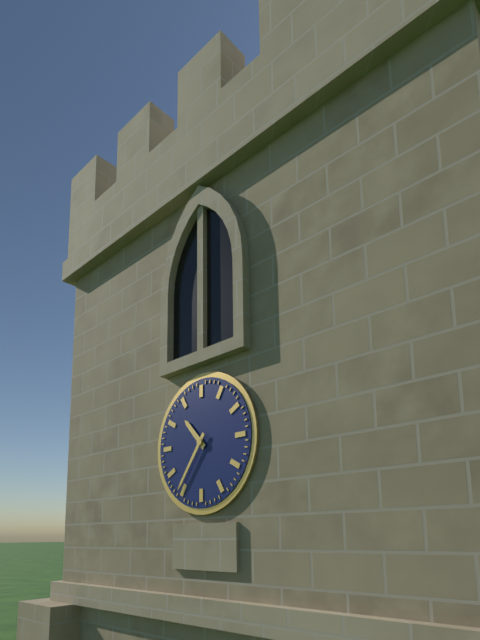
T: 10 h 36 min
